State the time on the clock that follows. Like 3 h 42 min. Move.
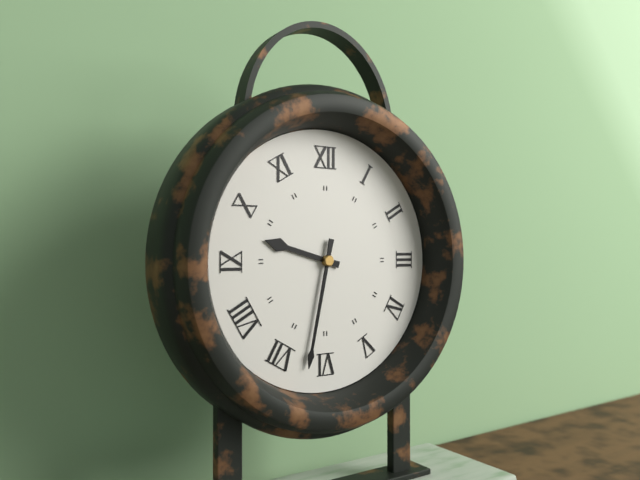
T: 9 h 32 min
